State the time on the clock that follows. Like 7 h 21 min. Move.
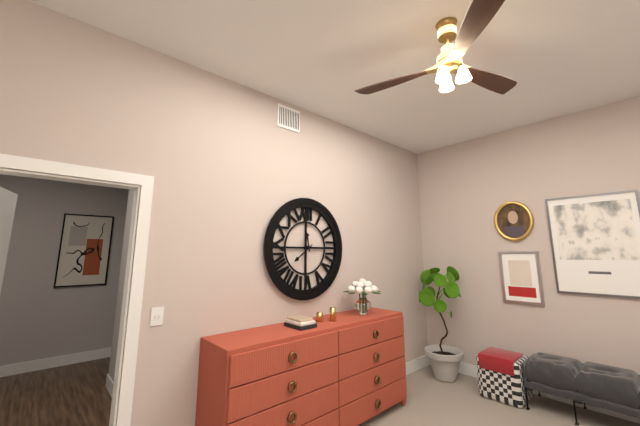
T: 11 h 39 min
